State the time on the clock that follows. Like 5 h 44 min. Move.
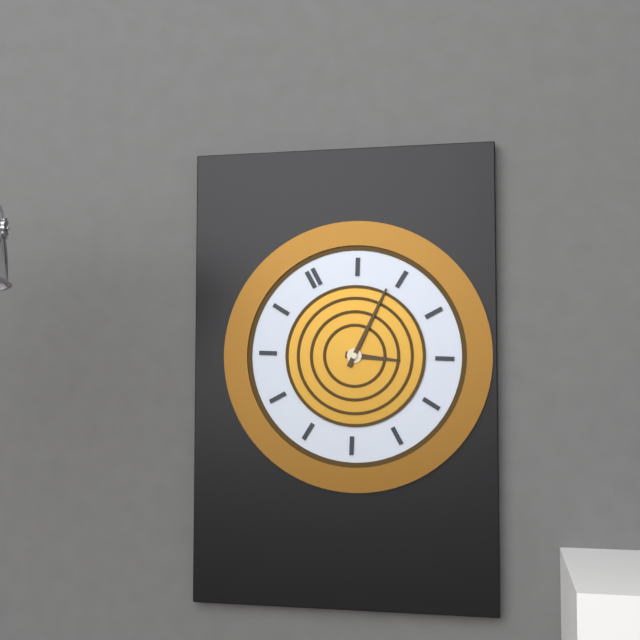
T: 4 h 09 min
